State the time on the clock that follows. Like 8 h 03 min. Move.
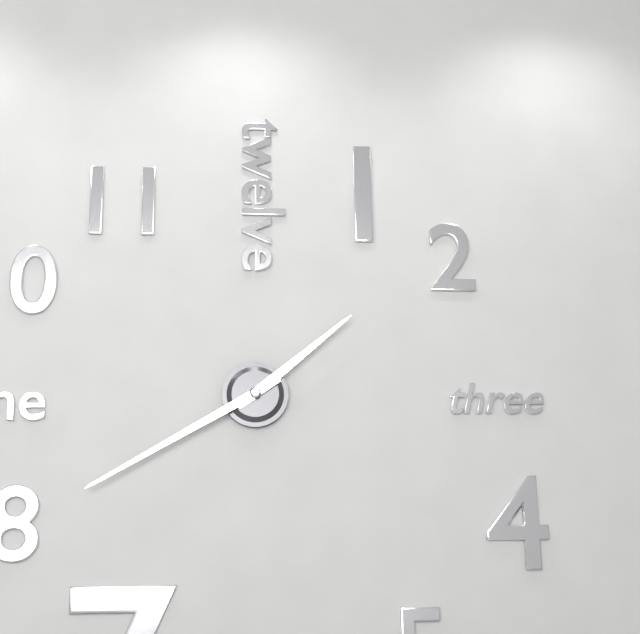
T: 1 h 40 min
